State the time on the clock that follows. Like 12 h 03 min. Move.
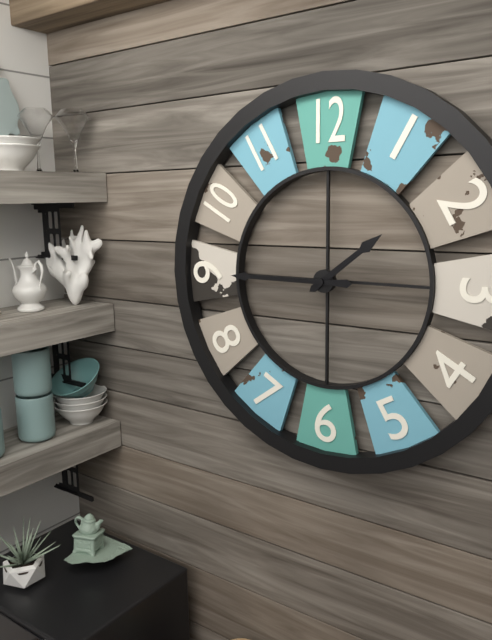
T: 1 h 45 min
